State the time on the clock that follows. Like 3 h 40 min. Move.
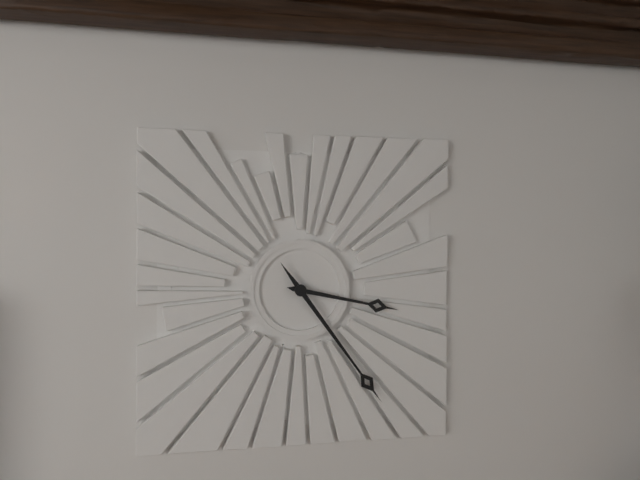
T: 3 h 24 min
